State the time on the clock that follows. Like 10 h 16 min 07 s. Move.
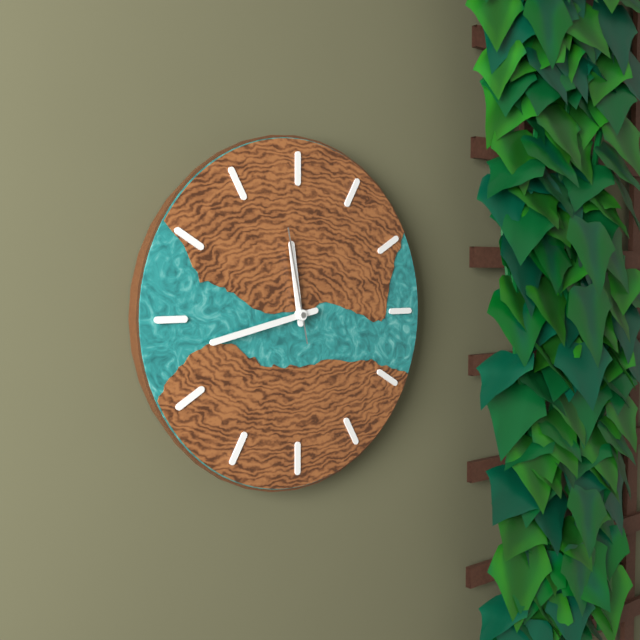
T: 11 h 43 min 58 s
